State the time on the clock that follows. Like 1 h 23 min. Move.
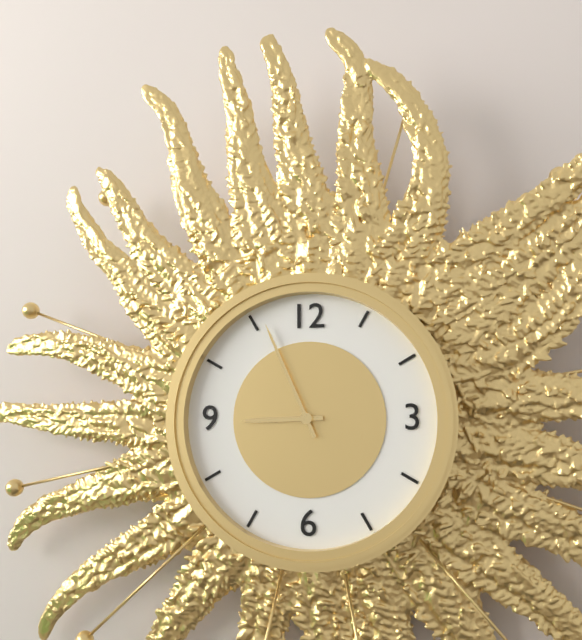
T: 8 h 56 min
